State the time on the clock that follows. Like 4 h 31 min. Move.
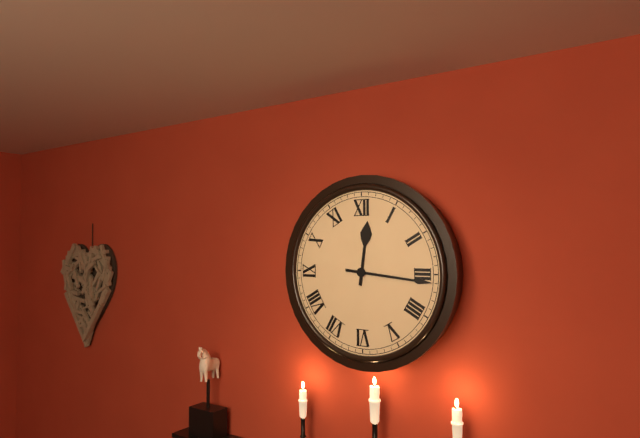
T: 12 h 16 min
